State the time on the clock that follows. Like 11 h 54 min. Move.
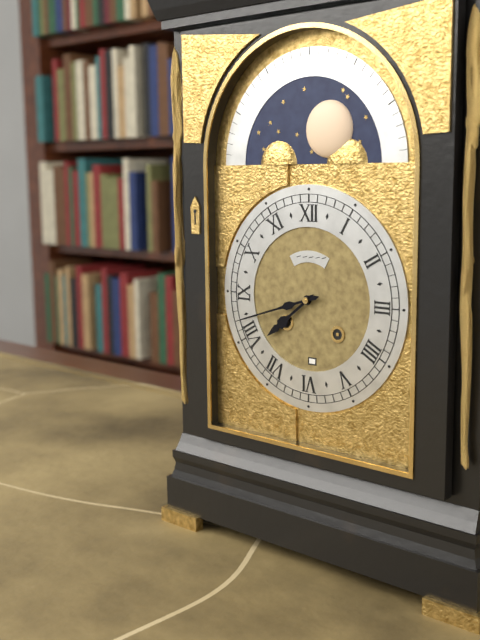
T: 7 h 42 min
